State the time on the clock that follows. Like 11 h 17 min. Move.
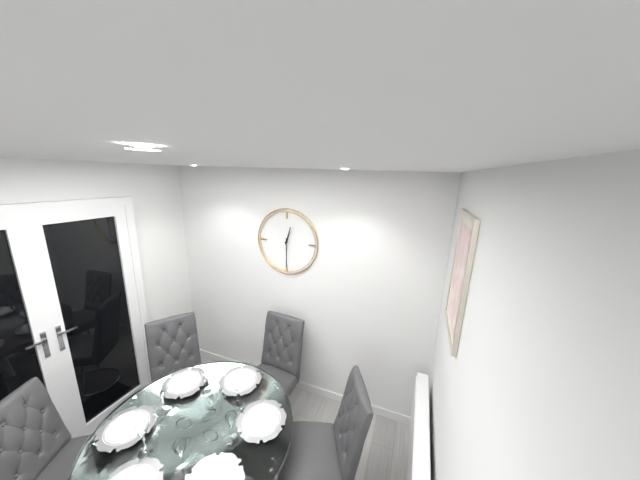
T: 12 h 30 min
